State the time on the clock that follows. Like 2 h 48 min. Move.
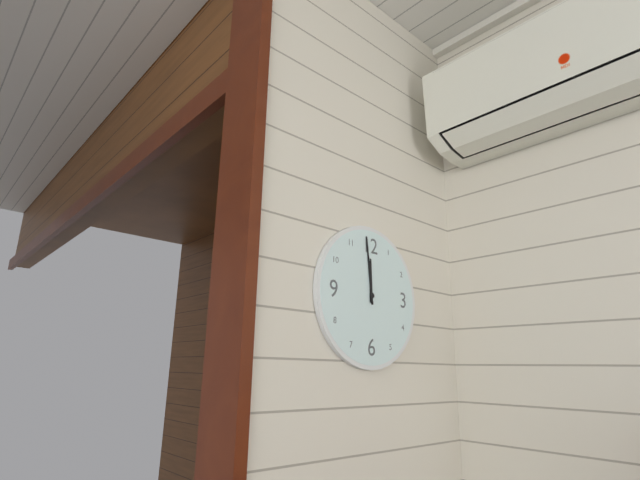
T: 11 h 59 min
